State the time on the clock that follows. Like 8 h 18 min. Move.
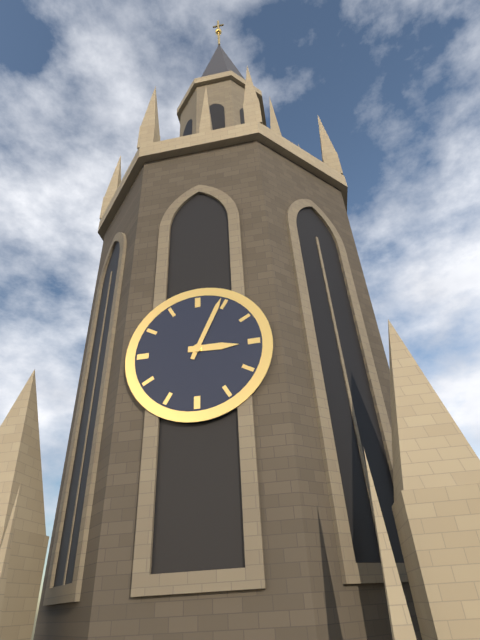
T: 3 h 04 min
